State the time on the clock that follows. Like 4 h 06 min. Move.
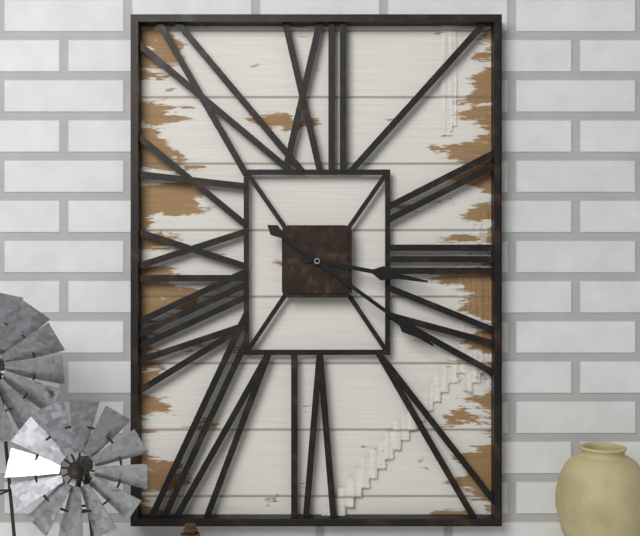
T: 3 h 21 min
